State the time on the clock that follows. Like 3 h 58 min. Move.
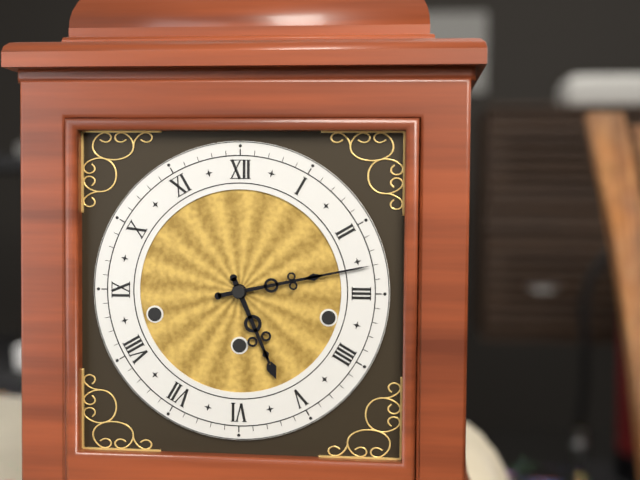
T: 5 h 13 min
